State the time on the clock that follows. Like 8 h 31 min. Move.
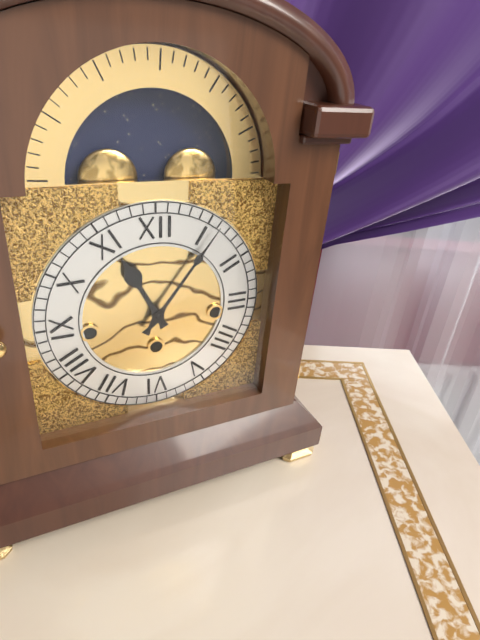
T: 11 h 06 min
